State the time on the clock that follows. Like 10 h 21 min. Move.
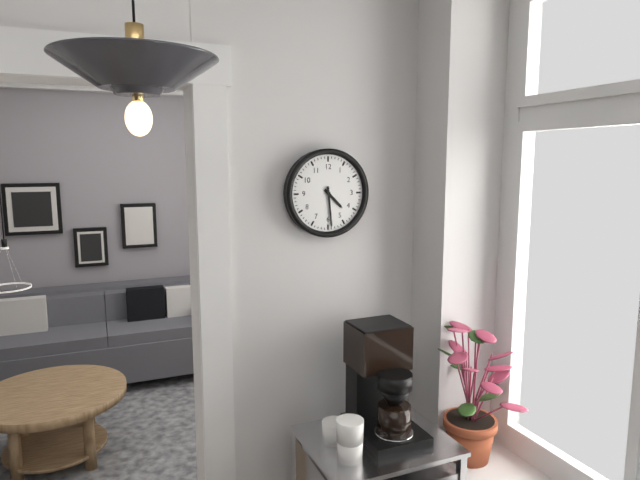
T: 4 h 29 min
